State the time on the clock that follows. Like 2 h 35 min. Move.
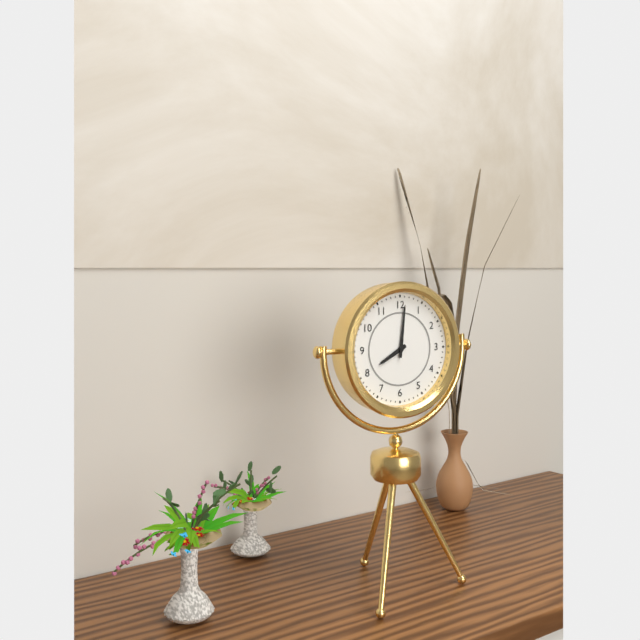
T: 8 h 01 min
